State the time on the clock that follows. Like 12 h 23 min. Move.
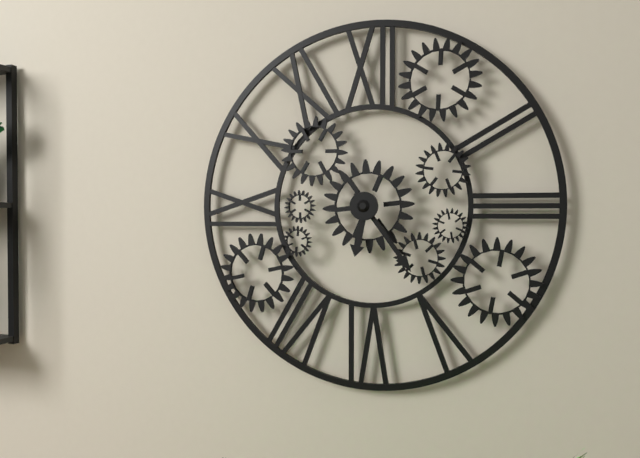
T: 6 h 24 min
